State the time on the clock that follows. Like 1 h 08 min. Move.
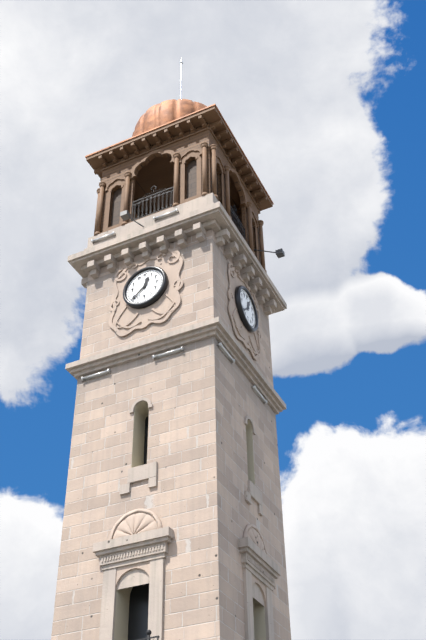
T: 12 h 38 min
